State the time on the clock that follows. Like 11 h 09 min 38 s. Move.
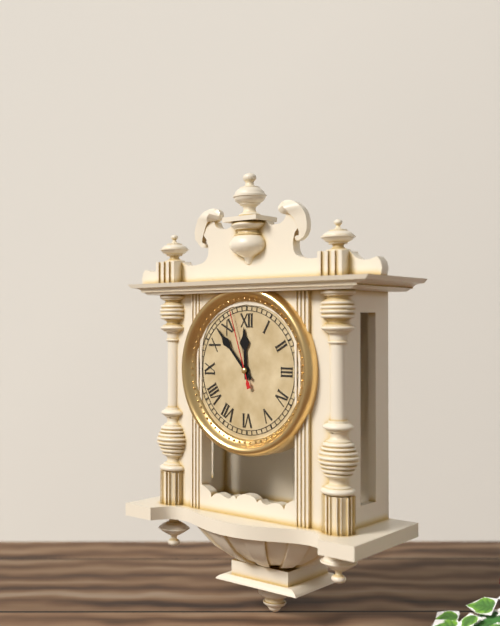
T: 11 h 53 min 57 s
